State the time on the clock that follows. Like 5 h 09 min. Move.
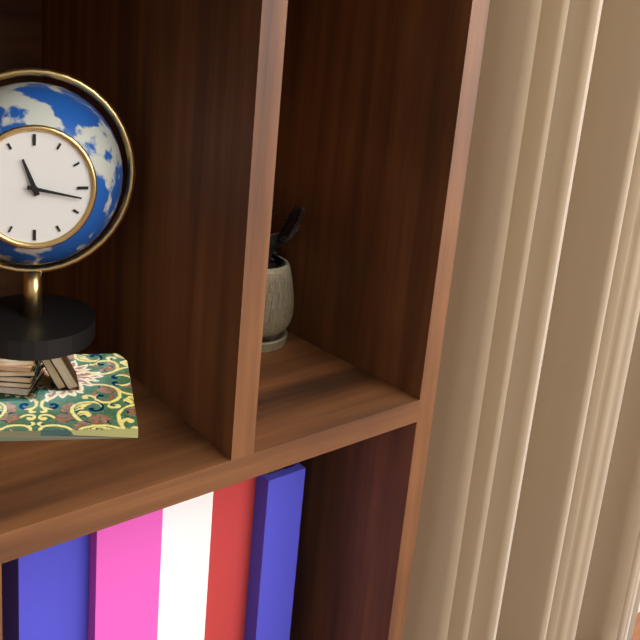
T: 11 h 17 min
